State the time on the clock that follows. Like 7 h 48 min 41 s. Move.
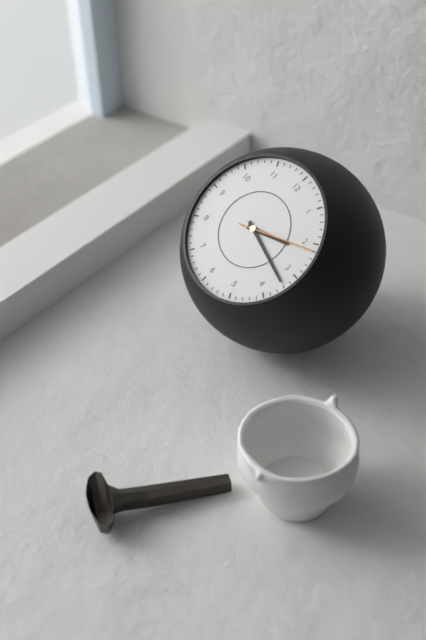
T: 2 h 17 min 11 s
